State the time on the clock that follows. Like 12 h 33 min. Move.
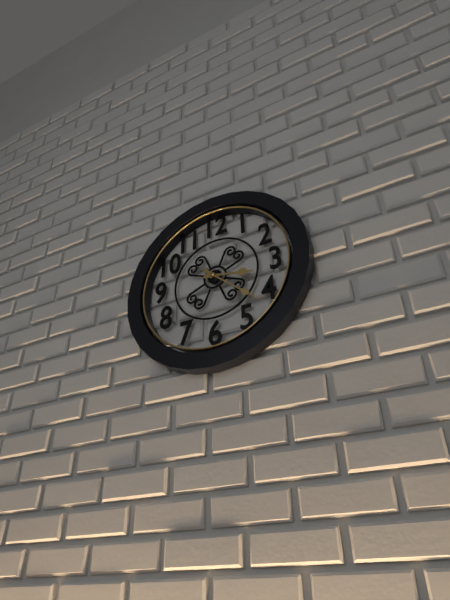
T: 3 h 22 min
